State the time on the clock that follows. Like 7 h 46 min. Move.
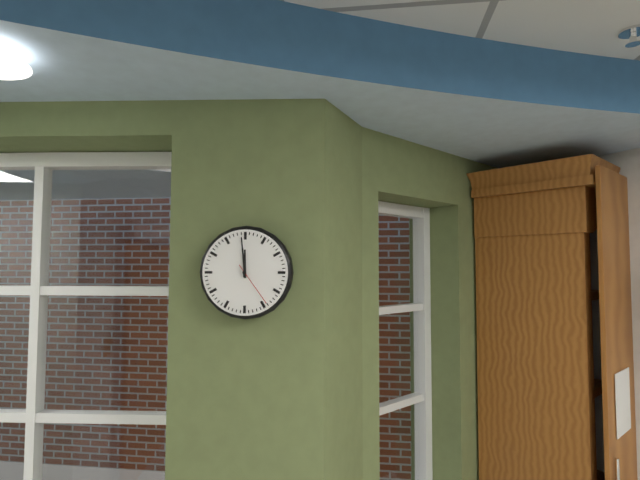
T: 11 h 59 min
